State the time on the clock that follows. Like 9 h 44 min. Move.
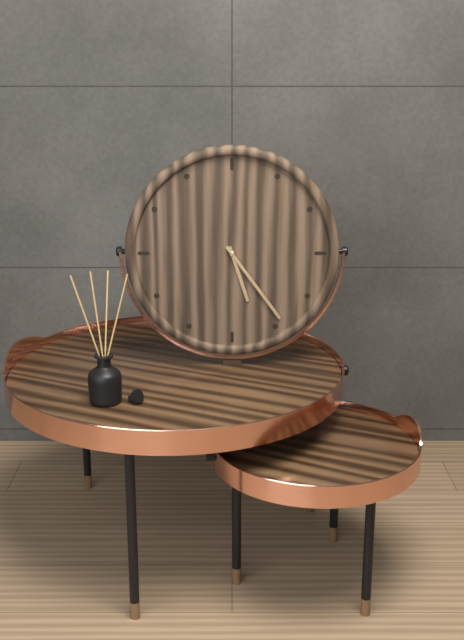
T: 5 h 24 min
